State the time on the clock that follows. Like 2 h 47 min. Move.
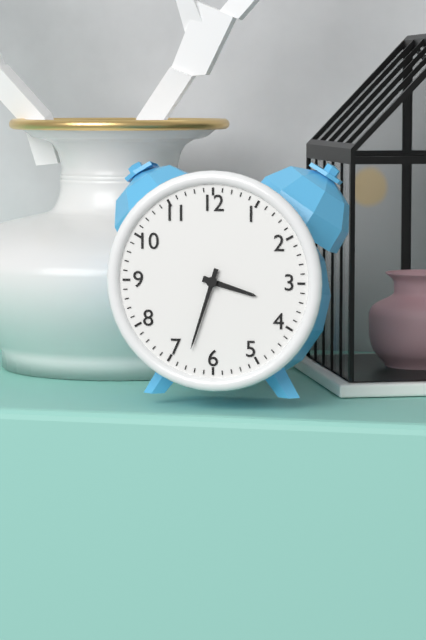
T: 3 h 33 min
